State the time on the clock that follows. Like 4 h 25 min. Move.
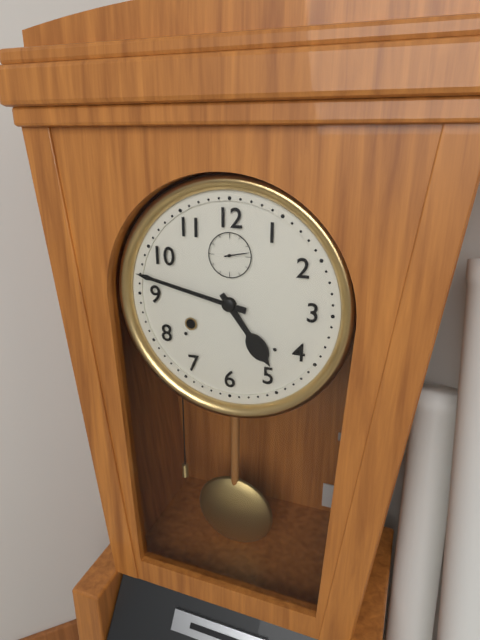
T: 4 h 47 min
